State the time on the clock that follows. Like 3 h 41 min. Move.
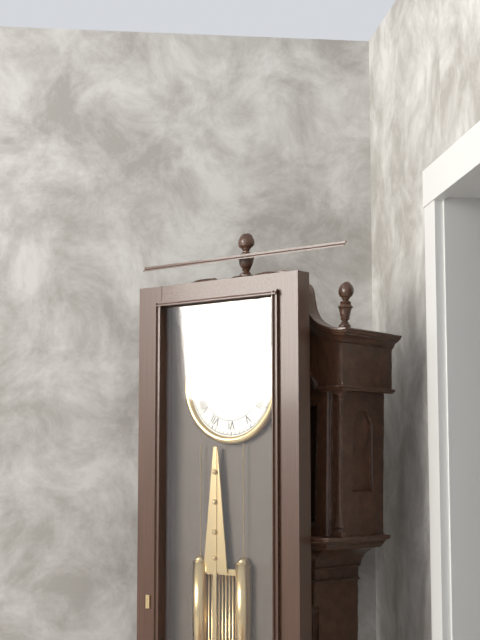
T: 12 h 53 min
